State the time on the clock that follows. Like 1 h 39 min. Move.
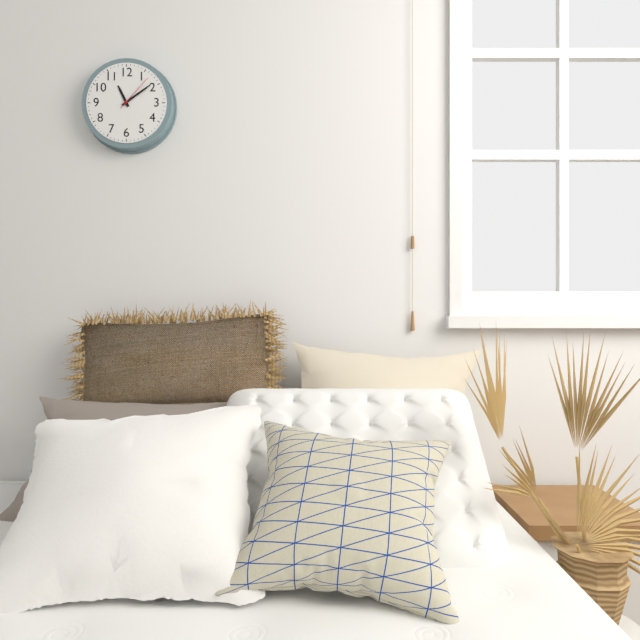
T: 11 h 09 min
